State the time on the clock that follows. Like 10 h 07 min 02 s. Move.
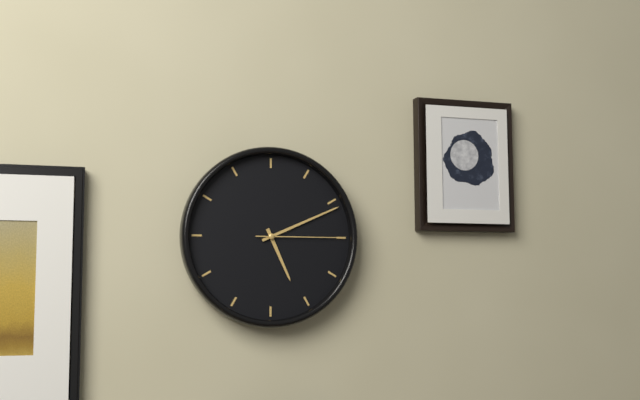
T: 5 h 11 min 15 s
